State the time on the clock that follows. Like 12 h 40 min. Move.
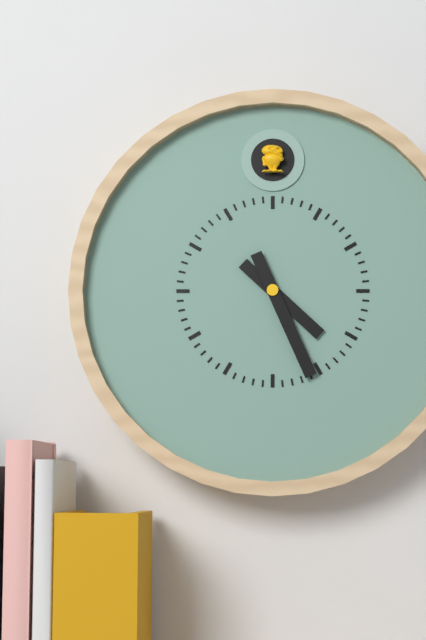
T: 4 h 26 min
